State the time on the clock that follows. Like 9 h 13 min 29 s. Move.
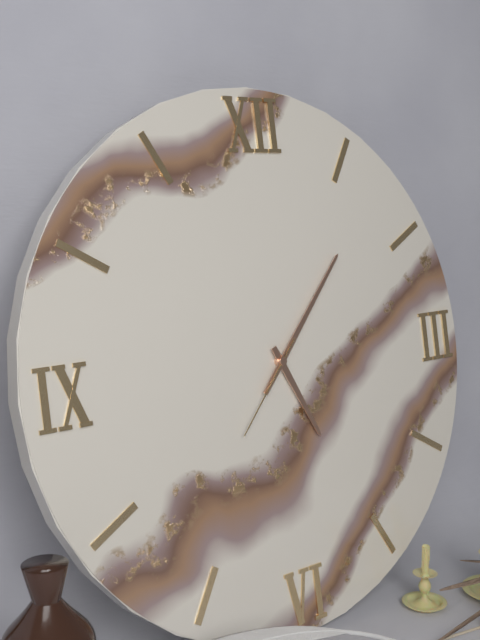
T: 5 h 07 min 37 s
